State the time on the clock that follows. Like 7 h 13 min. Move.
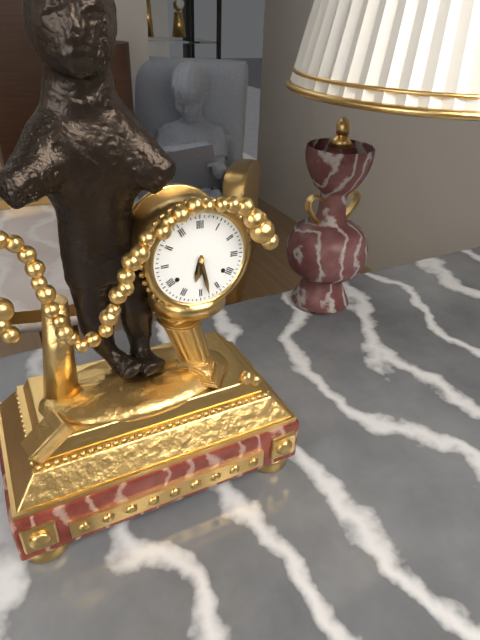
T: 6 h 28 min
